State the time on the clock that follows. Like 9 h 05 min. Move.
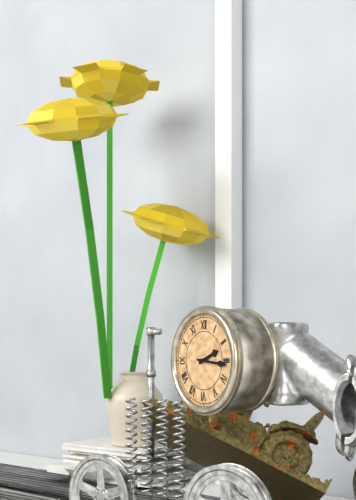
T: 2 h 16 min
